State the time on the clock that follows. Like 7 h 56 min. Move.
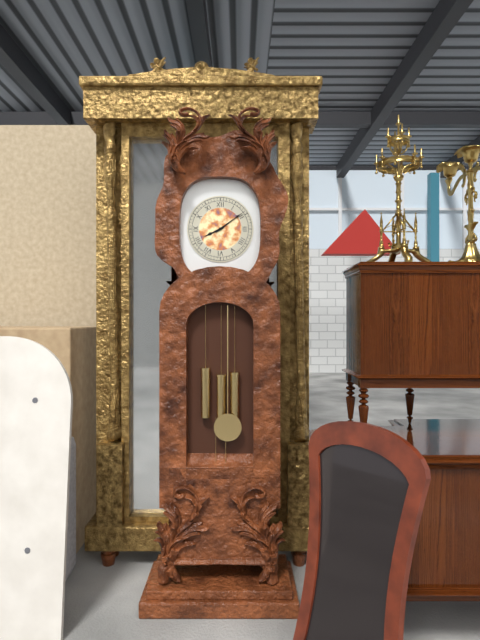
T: 8 h 09 min
